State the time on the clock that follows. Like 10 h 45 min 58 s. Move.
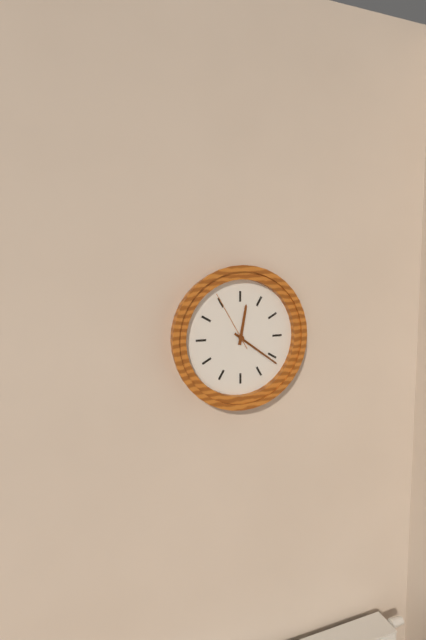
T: 12 h 21 min 55 s
